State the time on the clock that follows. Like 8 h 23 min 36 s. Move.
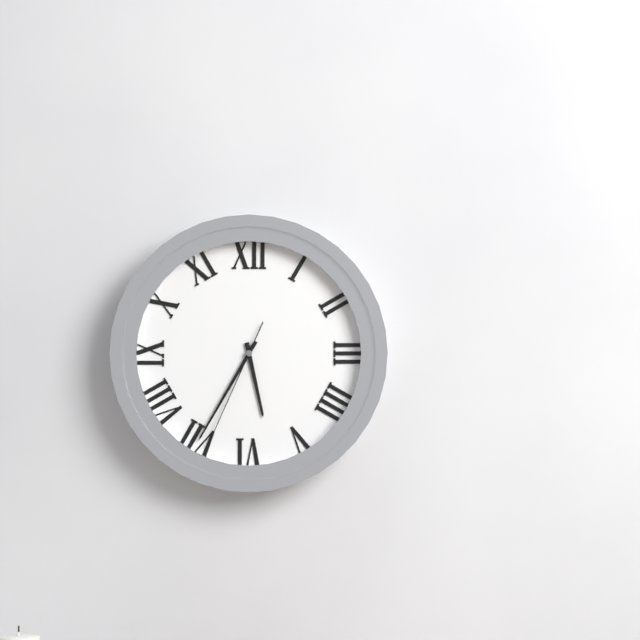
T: 5 h 35 min 34 s
